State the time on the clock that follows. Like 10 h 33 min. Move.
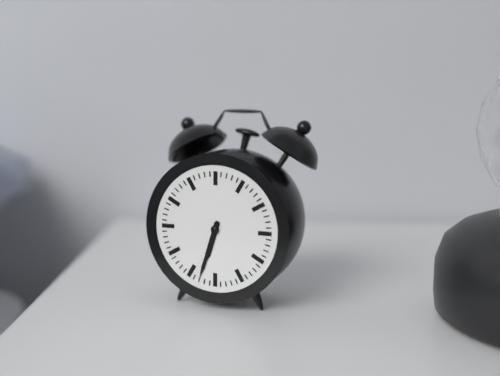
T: 6 h 33 min
